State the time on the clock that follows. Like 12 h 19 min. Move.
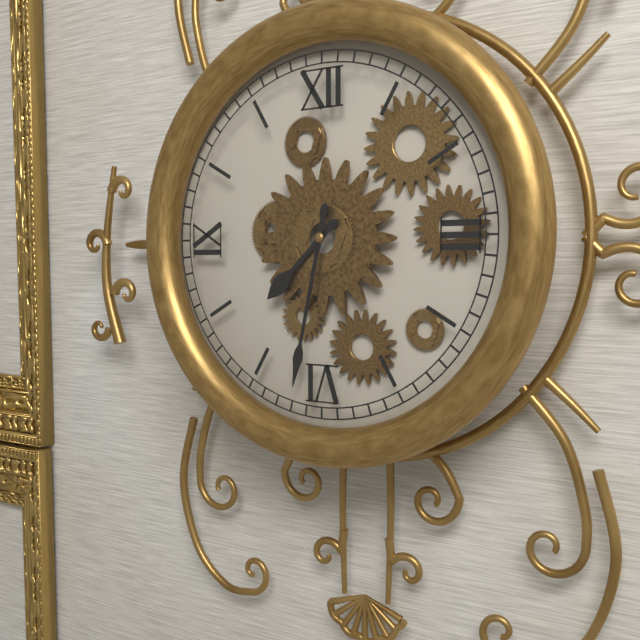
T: 7 h 32 min
